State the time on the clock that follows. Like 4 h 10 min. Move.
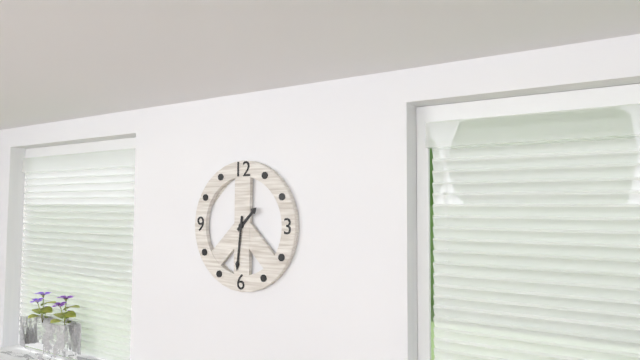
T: 1 h 31 min
